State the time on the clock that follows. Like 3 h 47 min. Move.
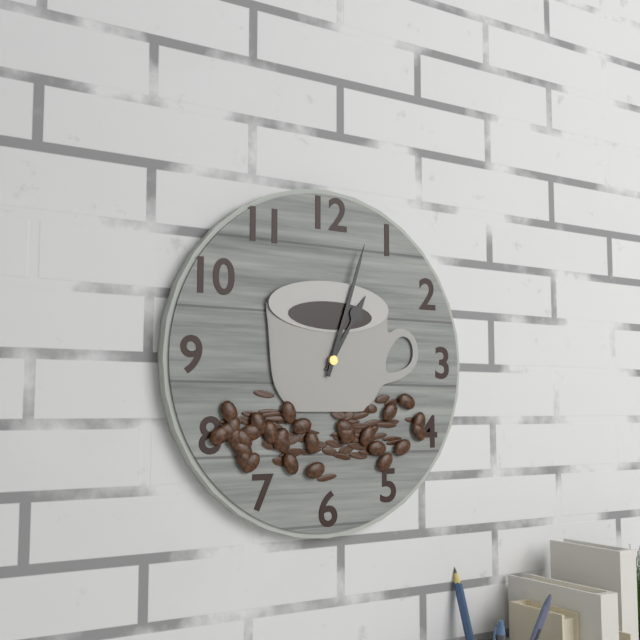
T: 1 h 03 min
